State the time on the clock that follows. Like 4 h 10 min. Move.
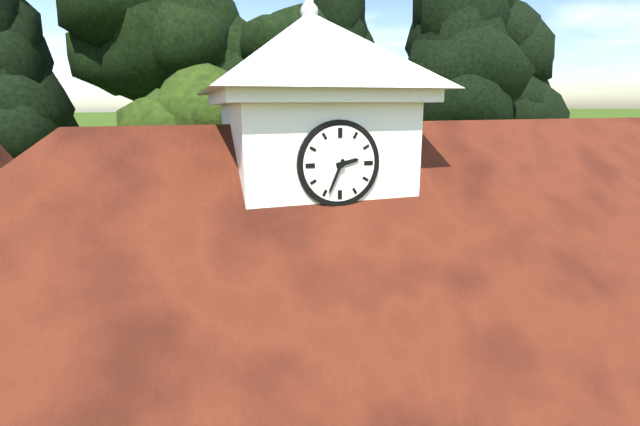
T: 2 h 34 min
